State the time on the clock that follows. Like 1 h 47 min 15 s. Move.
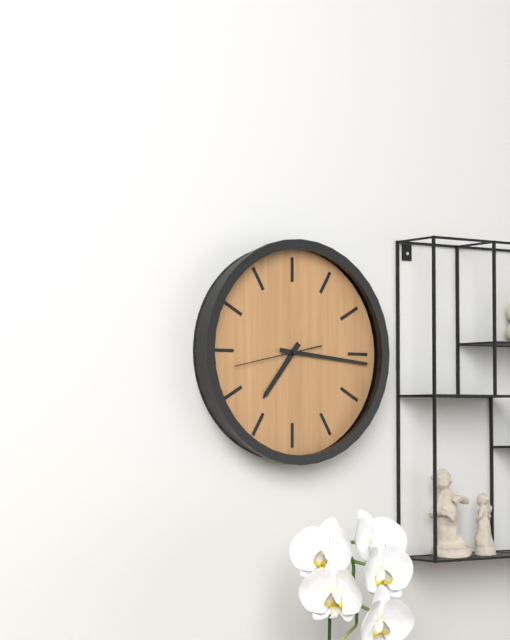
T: 7 h 16 min 43 s
